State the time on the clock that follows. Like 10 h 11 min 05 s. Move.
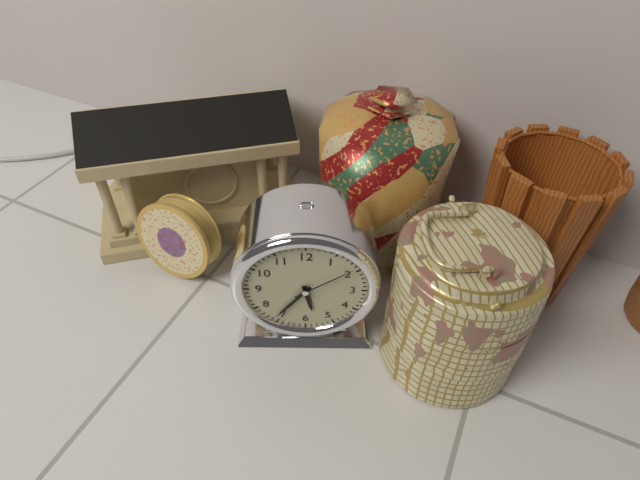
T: 5 h 36 min 09 s
